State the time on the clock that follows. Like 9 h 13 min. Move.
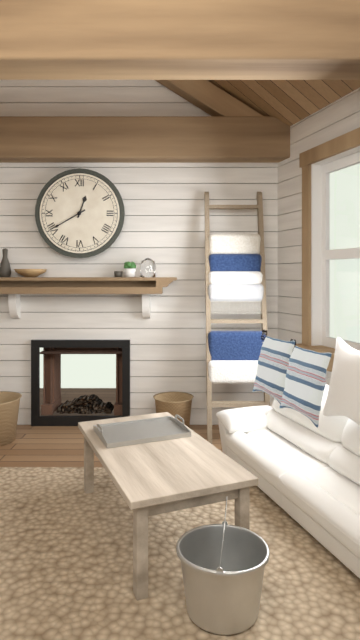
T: 12 h 40 min
